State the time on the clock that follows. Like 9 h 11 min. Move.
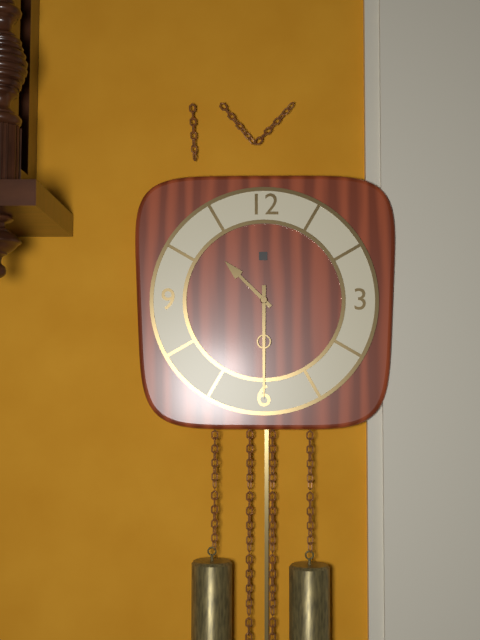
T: 10 h 30 min
